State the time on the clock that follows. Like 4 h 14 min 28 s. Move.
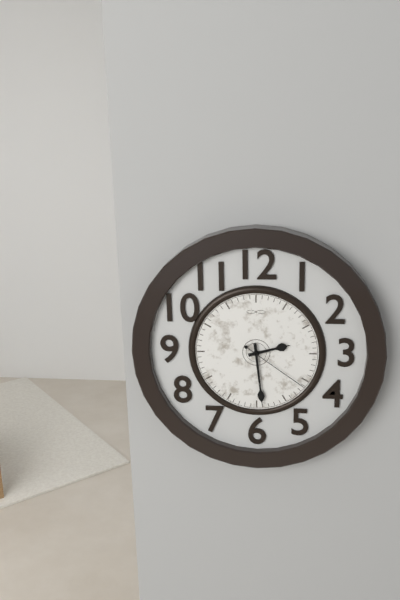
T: 2 h 29 min 21 s
